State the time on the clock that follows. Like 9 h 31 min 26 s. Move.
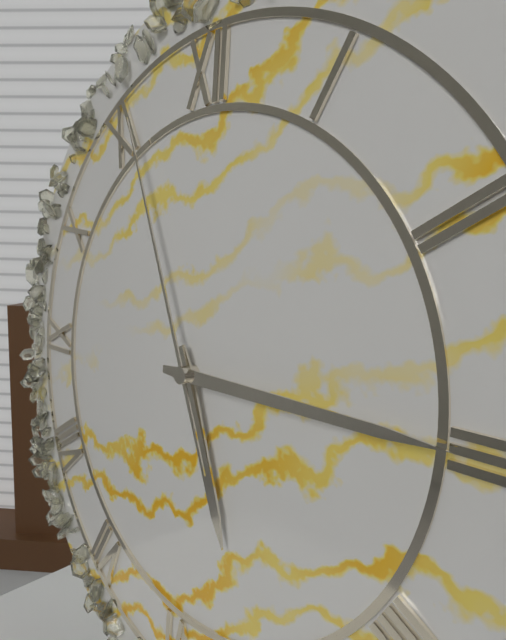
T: 5 h 15 min 56 s
